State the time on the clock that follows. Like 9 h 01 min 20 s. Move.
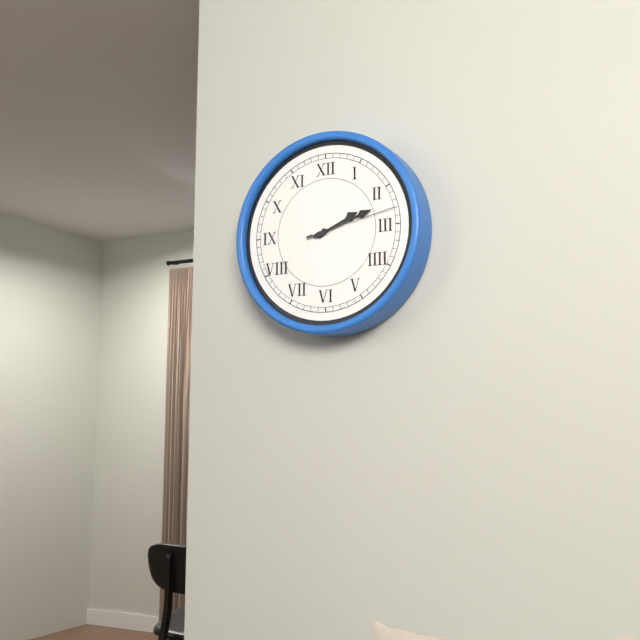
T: 2 h 12 min 13 s
